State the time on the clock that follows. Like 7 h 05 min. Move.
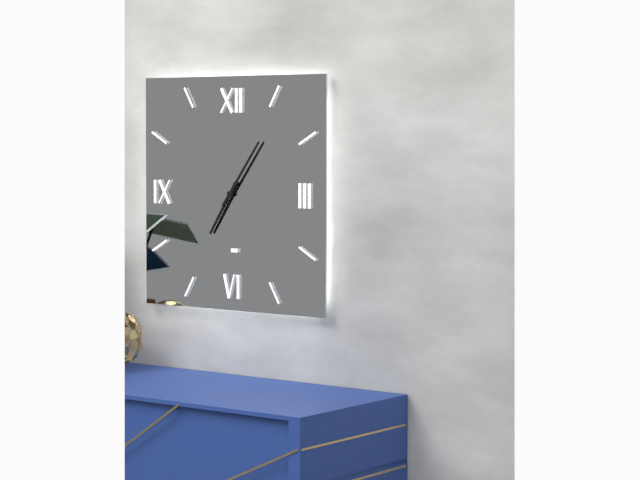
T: 7 h 06 min
